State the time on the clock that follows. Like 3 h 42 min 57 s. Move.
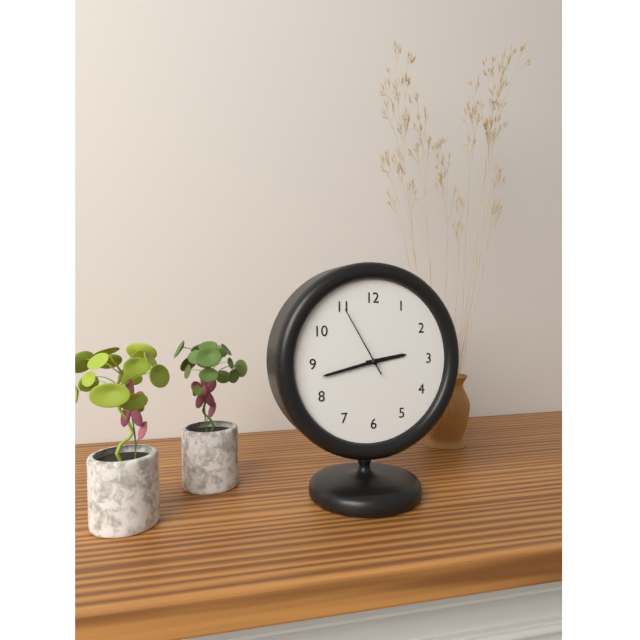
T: 2 h 43 min 55 s
